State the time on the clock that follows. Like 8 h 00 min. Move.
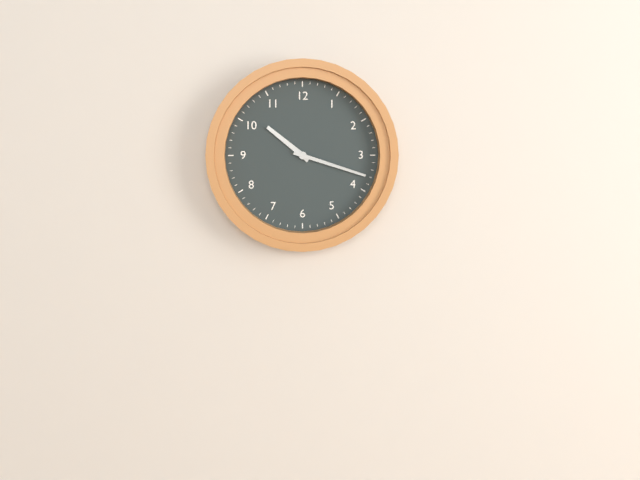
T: 10 h 18 min
